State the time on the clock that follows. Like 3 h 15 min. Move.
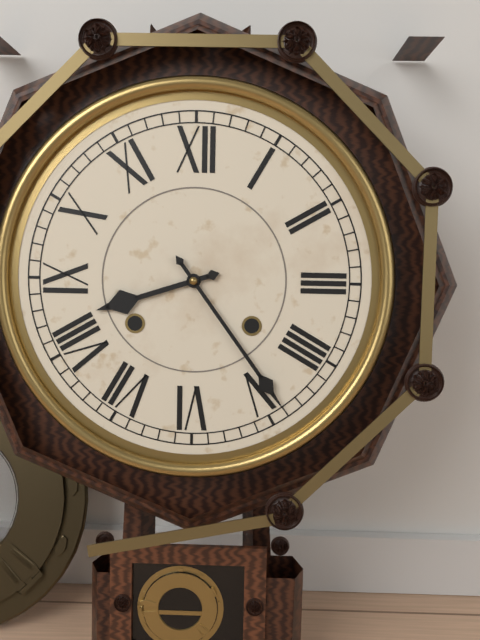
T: 8 h 24 min
